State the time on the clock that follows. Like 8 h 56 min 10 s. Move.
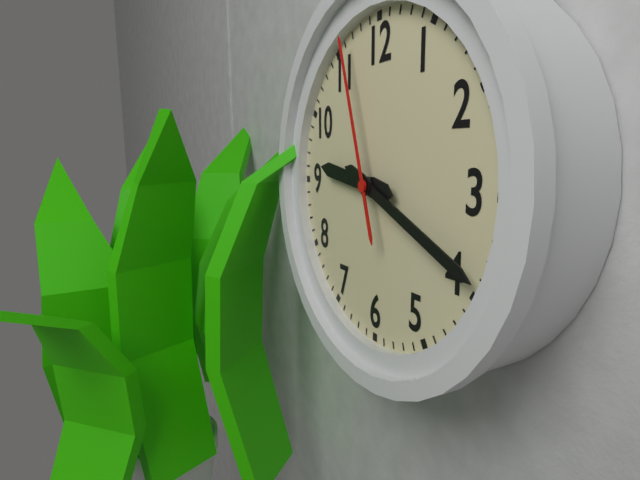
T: 9 h 19 min 57 s
